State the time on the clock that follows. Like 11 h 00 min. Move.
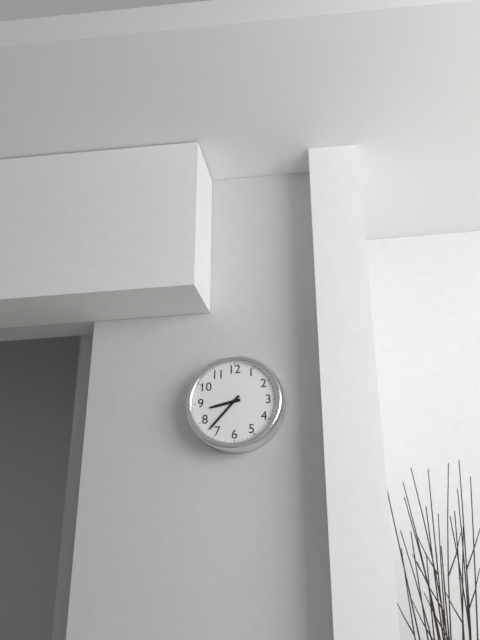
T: 8 h 37 min
